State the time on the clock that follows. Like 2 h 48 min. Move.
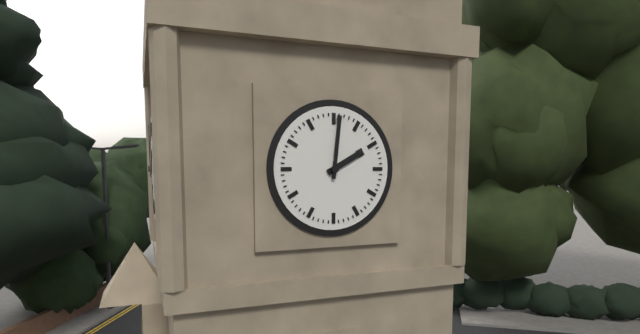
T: 2 h 01 min
